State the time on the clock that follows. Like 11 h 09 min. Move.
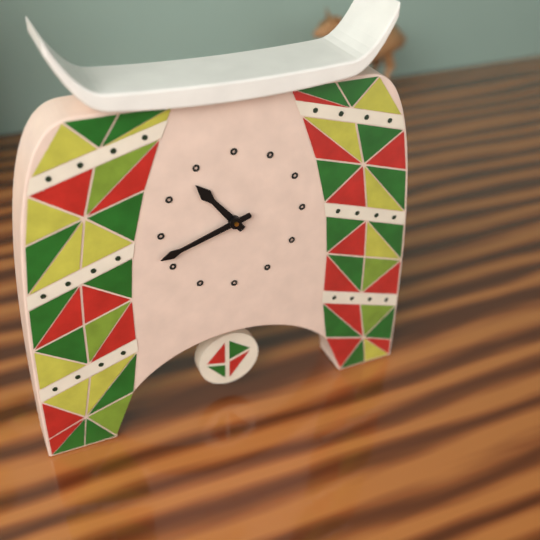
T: 10 h 42 min
